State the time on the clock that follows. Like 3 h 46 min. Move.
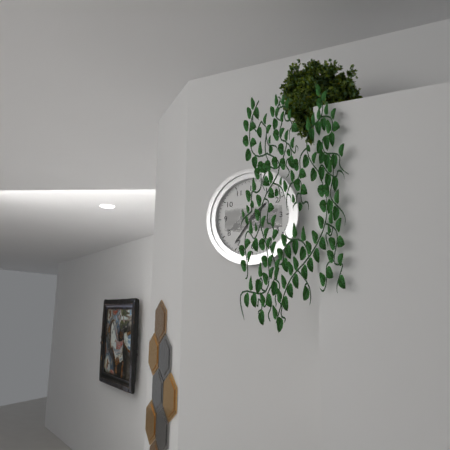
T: 1 h 36 min
